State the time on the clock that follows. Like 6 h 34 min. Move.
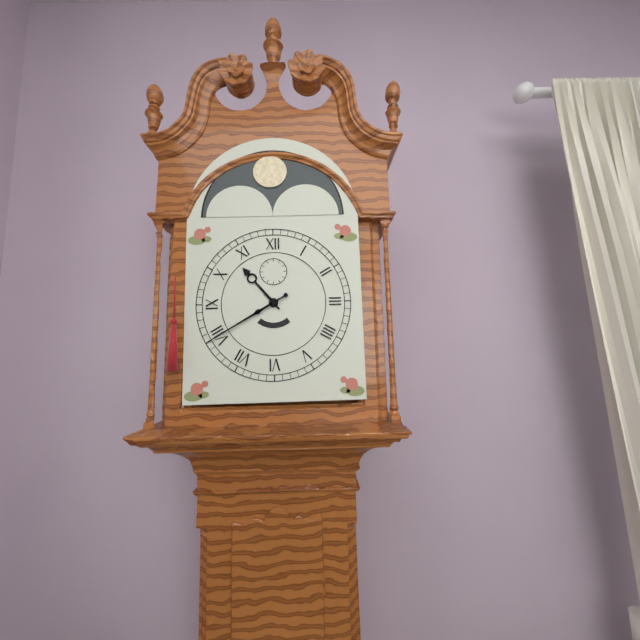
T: 10 h 40 min
